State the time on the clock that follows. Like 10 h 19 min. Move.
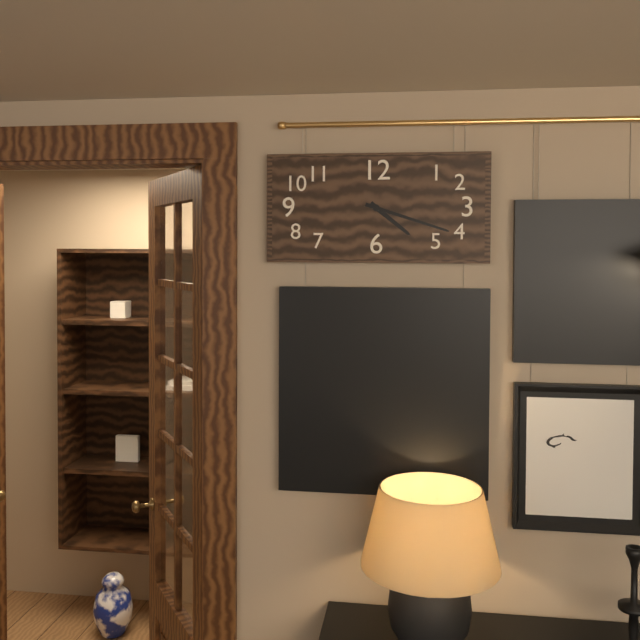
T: 4 h 18 min
